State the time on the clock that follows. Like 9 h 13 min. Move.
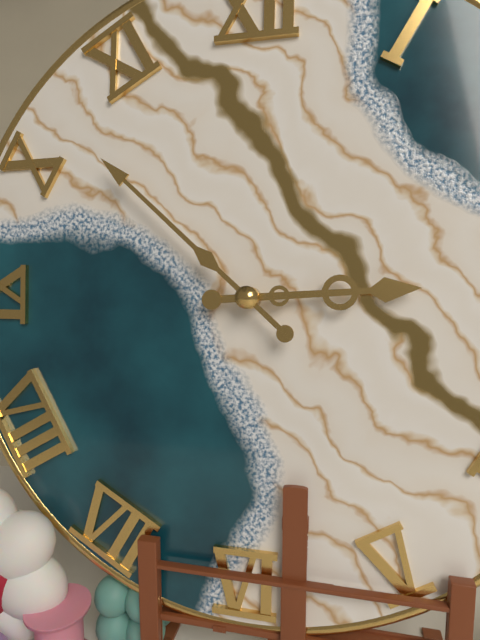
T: 2 h 52 min
